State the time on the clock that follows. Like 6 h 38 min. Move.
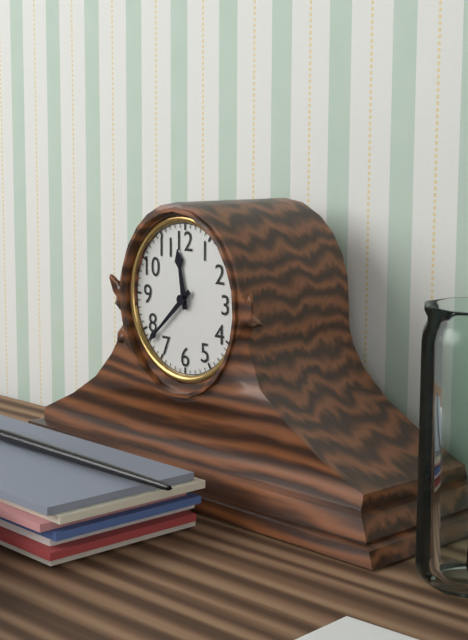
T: 11 h 38 min
